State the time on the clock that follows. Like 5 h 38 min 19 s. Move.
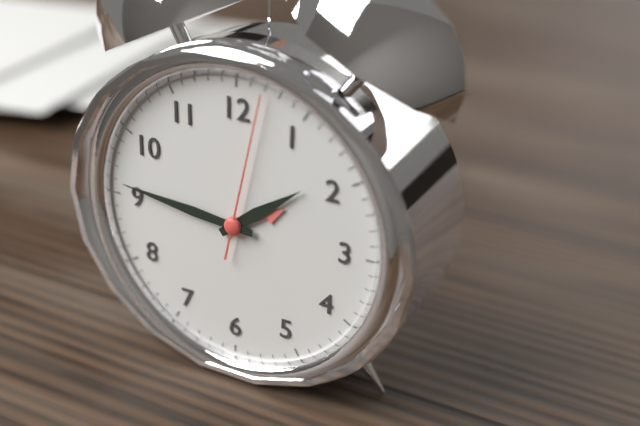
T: 1 h 46 min 02 s
